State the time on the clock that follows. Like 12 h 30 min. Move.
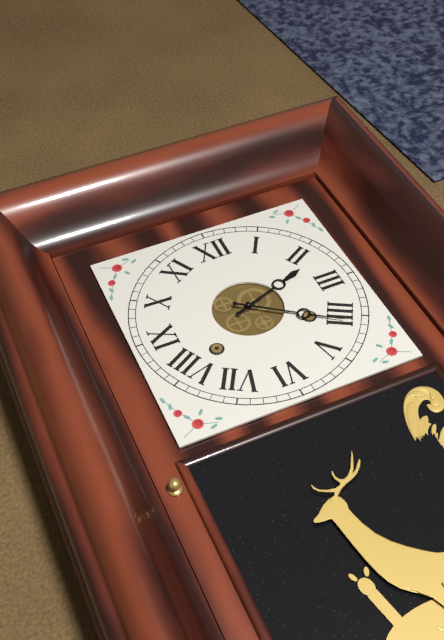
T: 2 h 21 min
